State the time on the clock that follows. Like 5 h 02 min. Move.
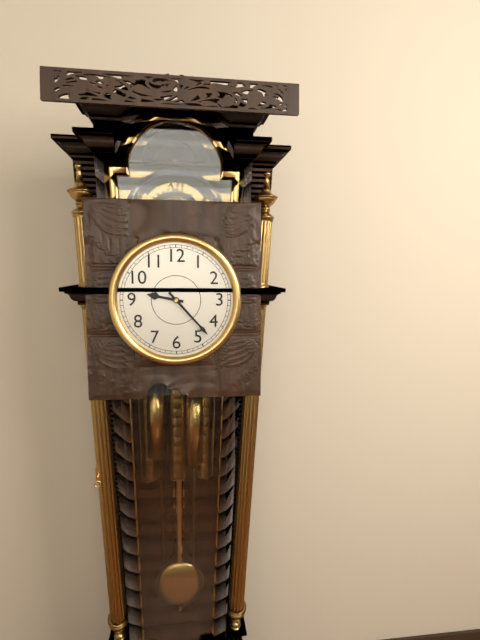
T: 9 h 23 min
